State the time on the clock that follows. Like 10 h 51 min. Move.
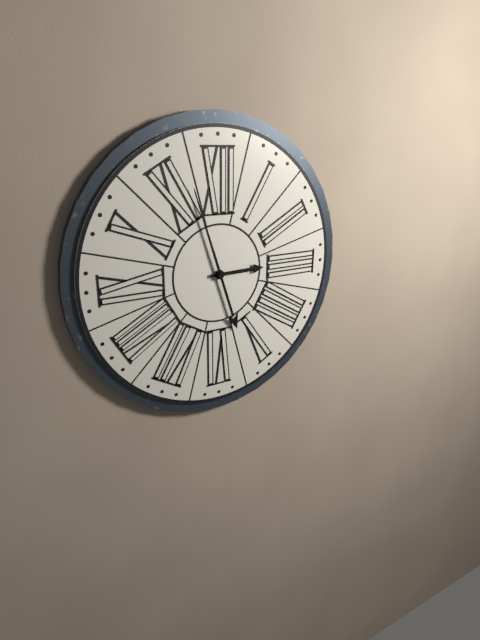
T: 2 h 57 min
